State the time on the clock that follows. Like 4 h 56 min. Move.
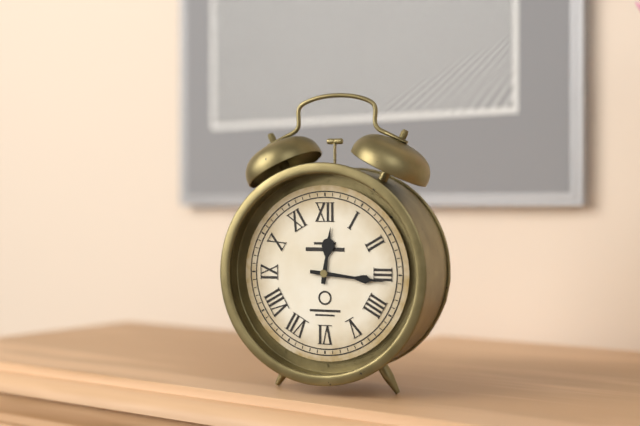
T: 12 h 16 min
